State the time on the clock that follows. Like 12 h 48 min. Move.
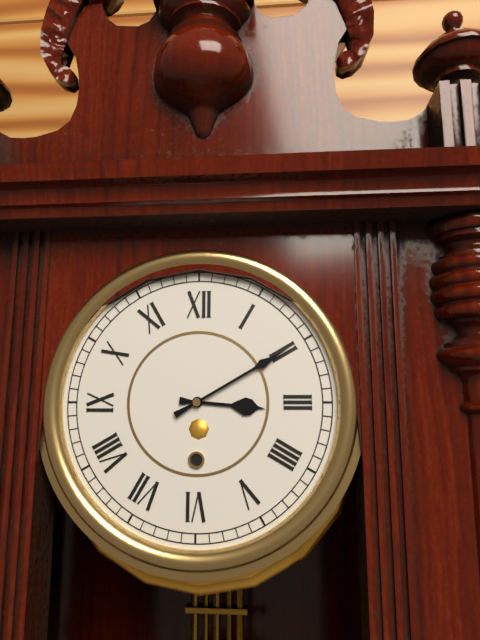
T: 3 h 10 min
